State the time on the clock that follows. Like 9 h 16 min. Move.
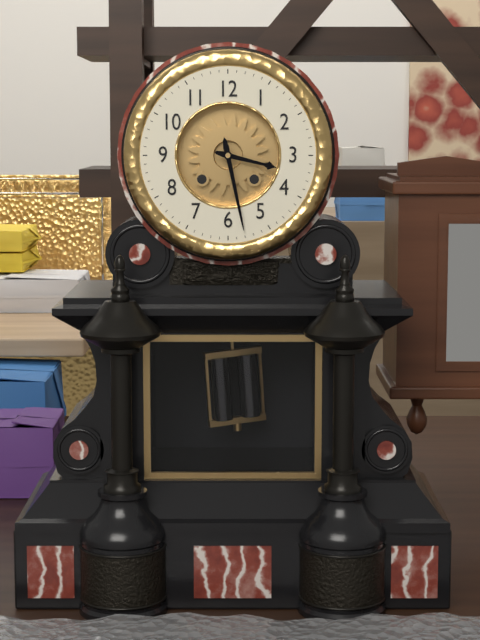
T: 3 h 28 min
